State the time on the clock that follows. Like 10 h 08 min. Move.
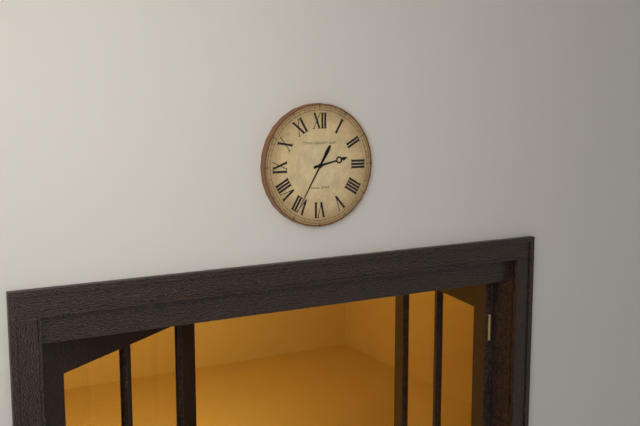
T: 2 h 35 min
